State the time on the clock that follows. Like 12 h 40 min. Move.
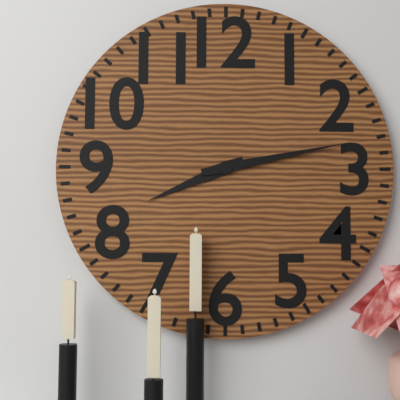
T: 8 h 13 min
